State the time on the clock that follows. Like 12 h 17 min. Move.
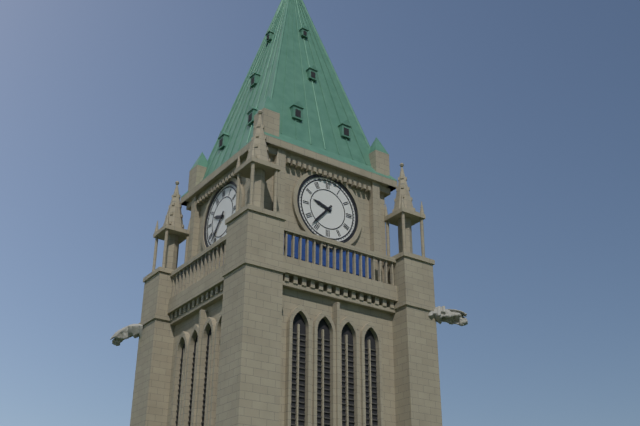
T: 9 h 37 min
